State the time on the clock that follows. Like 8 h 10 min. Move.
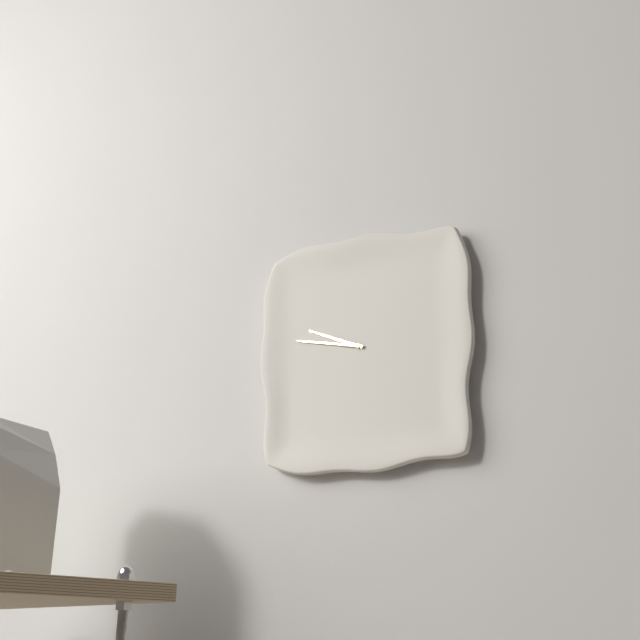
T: 9 h 47 min
